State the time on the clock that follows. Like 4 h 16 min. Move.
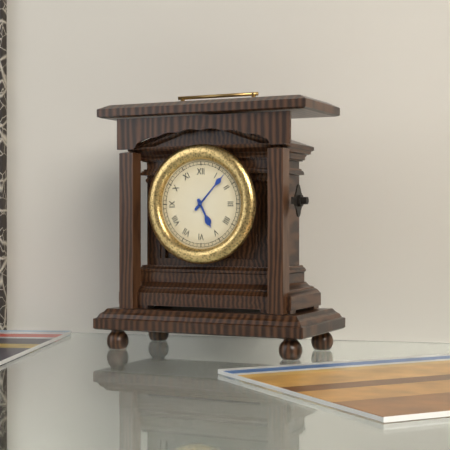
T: 5 h 07 min
